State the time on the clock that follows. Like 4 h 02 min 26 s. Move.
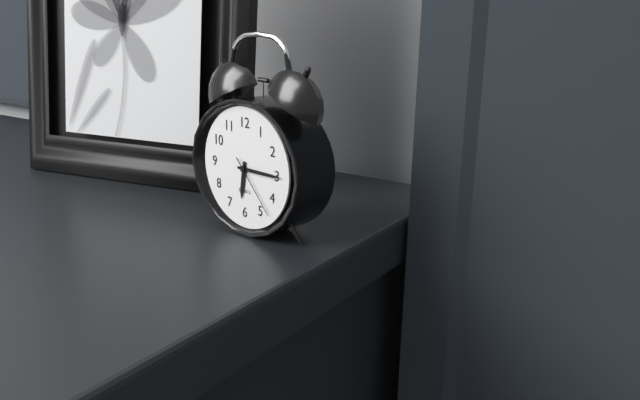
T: 6 h 15 min 23 s
